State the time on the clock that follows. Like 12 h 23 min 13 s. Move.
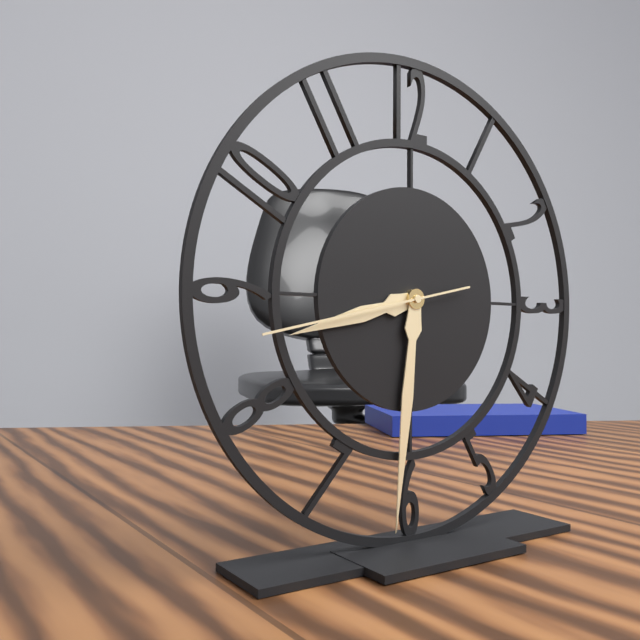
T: 8 h 31 min 43 s
